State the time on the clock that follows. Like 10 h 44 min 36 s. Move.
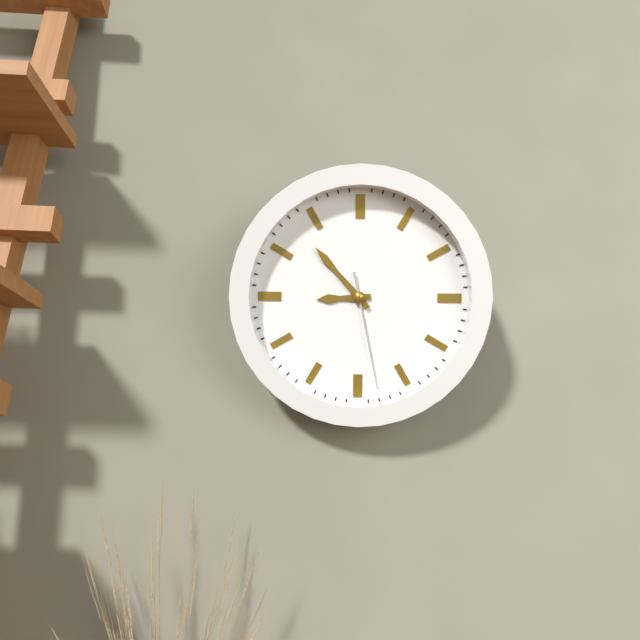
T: 8 h 53 min 28 s
